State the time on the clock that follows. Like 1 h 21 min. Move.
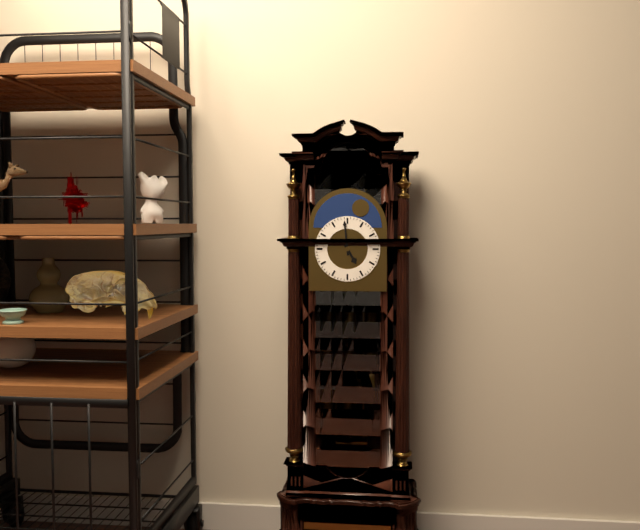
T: 4 h 59 min
